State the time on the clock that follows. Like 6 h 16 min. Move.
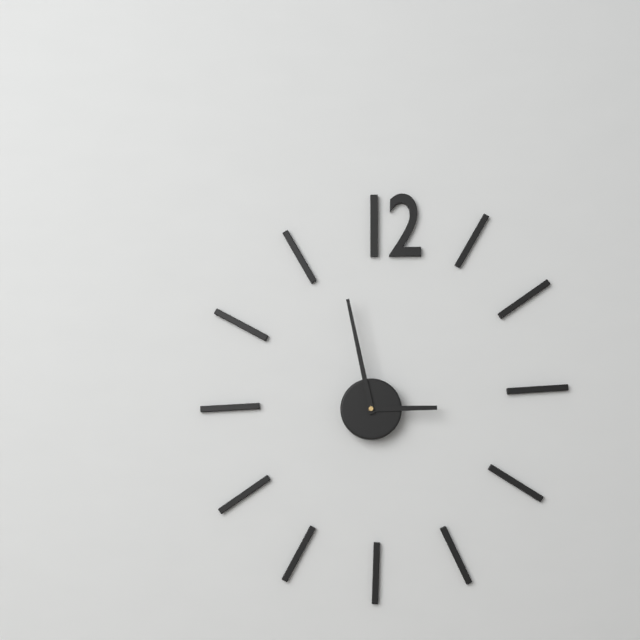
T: 2 h 58 min
